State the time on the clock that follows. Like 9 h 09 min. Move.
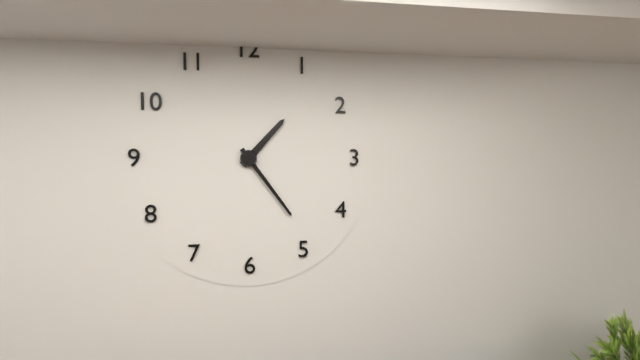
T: 1 h 24 min
